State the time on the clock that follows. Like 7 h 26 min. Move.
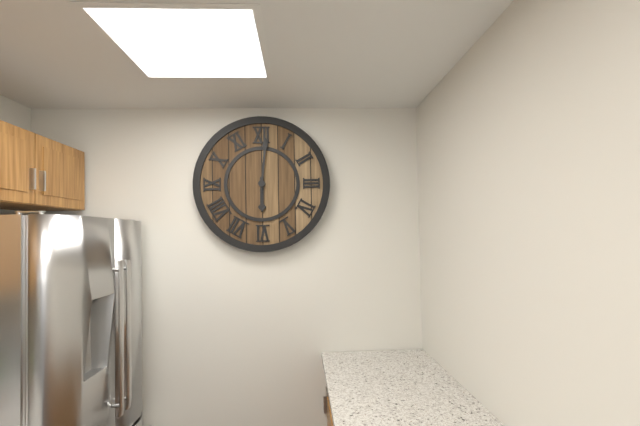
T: 6 h 01 min
